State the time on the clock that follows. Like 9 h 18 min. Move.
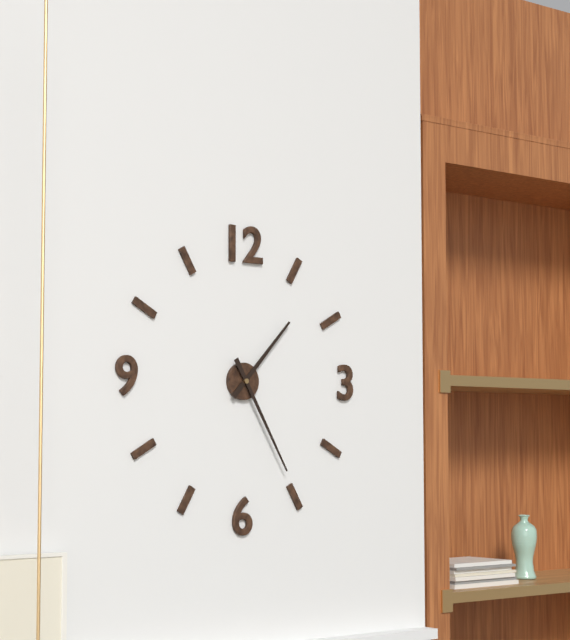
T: 1 h 25 min
